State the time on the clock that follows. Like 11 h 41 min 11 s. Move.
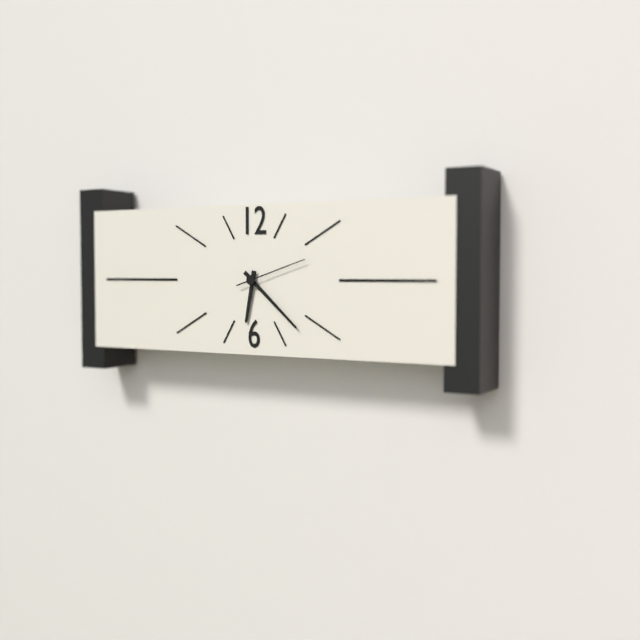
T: 6 h 22 min 12 s
